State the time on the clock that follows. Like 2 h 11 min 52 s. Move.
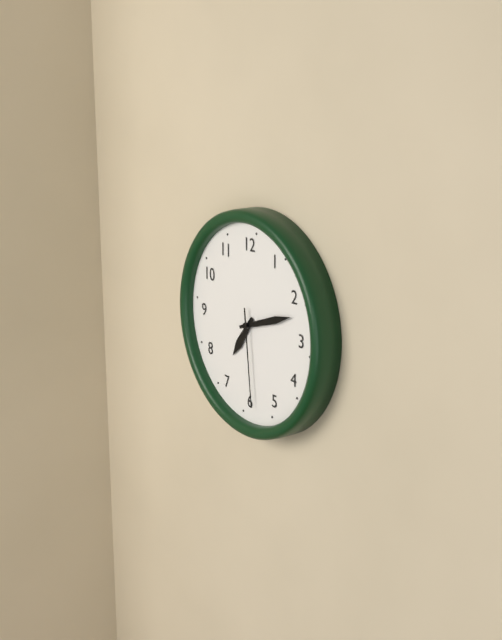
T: 7 h 12 min 29 s
